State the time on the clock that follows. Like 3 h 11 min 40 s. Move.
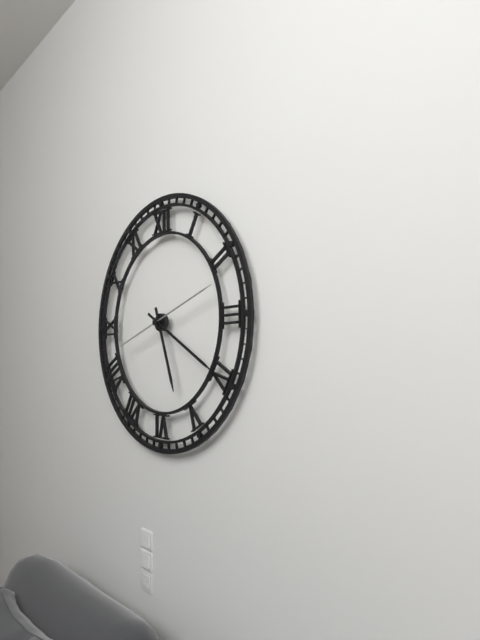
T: 5 h 20 min 12 s
